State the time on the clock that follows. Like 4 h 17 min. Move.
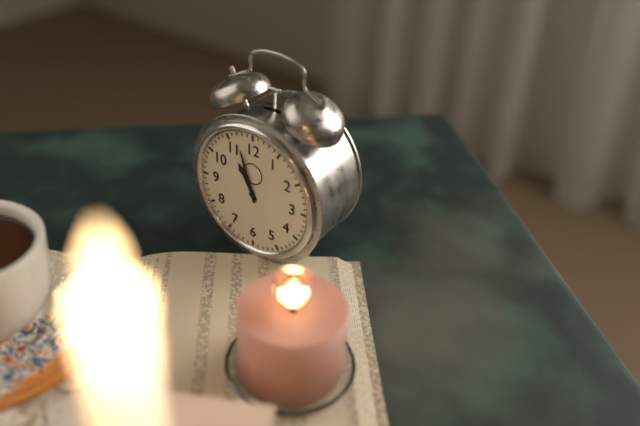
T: 10 h 57 min
